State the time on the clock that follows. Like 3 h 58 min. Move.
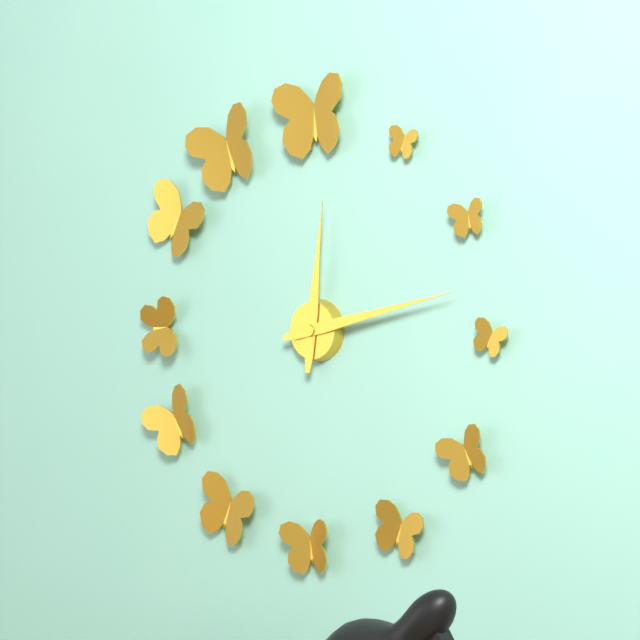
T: 12 h 13 min
